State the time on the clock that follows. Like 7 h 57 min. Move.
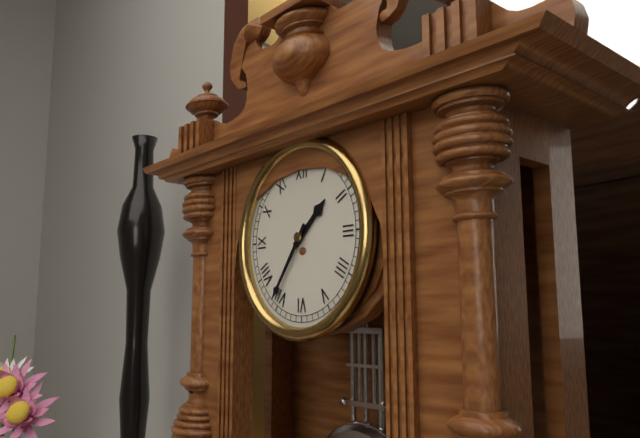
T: 1 h 36 min
